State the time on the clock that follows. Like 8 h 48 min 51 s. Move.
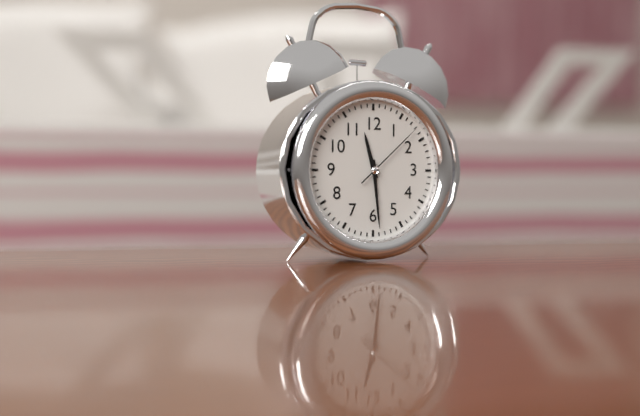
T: 11 h 29 min 08 s
